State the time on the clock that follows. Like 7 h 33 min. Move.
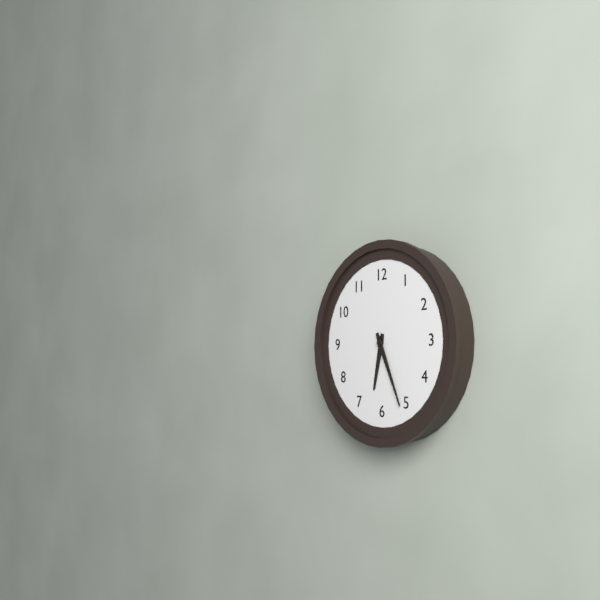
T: 6 h 26 min
